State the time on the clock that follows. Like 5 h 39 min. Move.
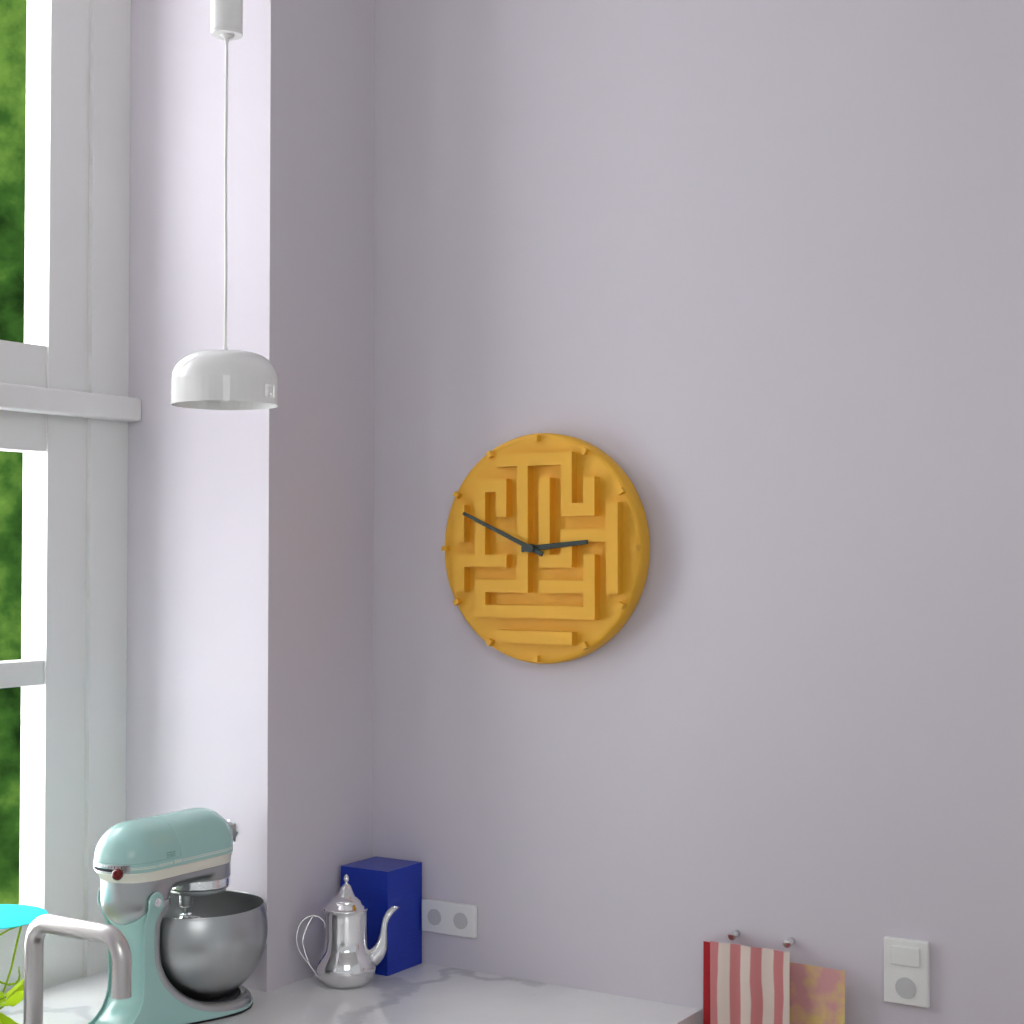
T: 2 h 49 min
